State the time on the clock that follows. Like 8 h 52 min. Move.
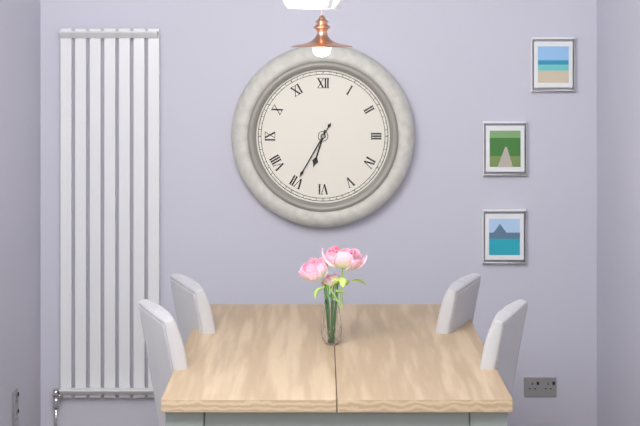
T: 6 h 35 min
